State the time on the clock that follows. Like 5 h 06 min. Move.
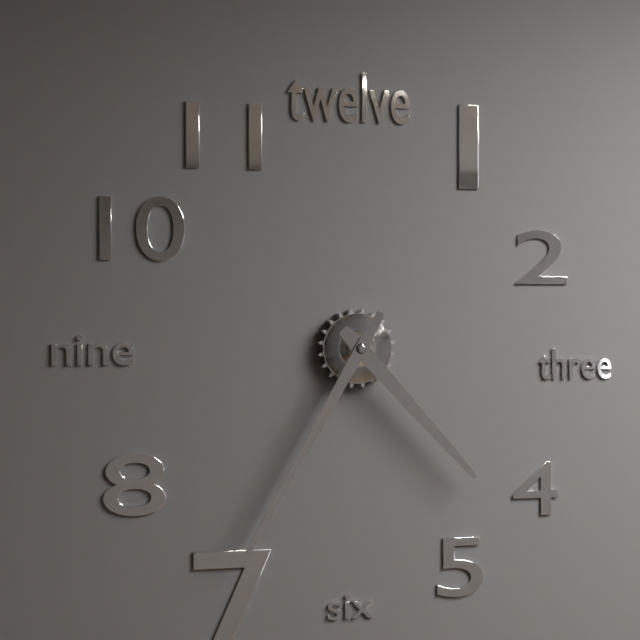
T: 4 h 35 min
